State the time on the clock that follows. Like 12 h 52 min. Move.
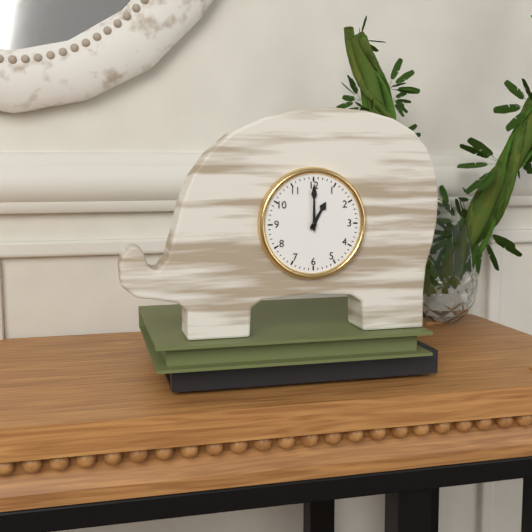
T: 1 h 00 min
